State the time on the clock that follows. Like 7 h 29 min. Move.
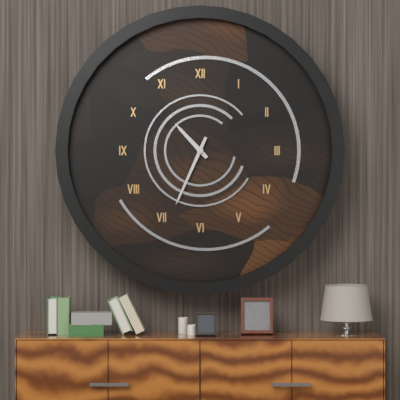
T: 10 h 34 min
